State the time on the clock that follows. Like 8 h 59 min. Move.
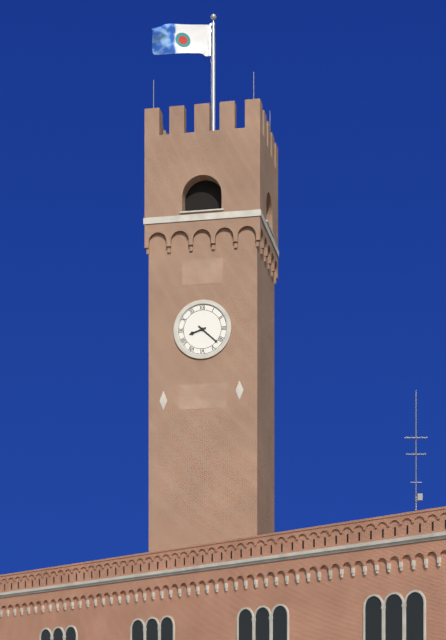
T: 8 h 22 min
